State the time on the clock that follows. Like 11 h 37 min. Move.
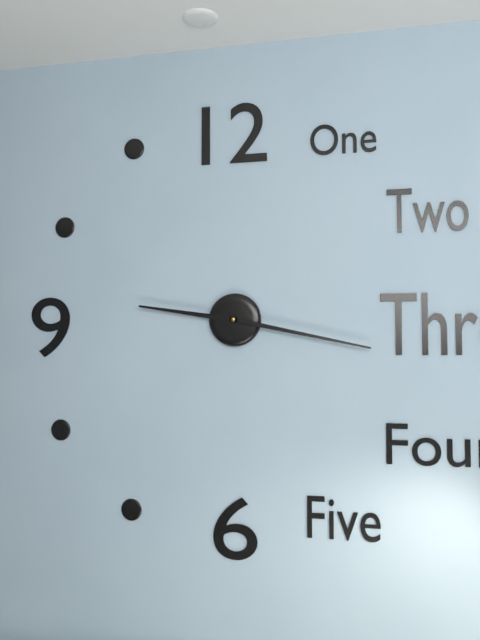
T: 9 h 17 min
